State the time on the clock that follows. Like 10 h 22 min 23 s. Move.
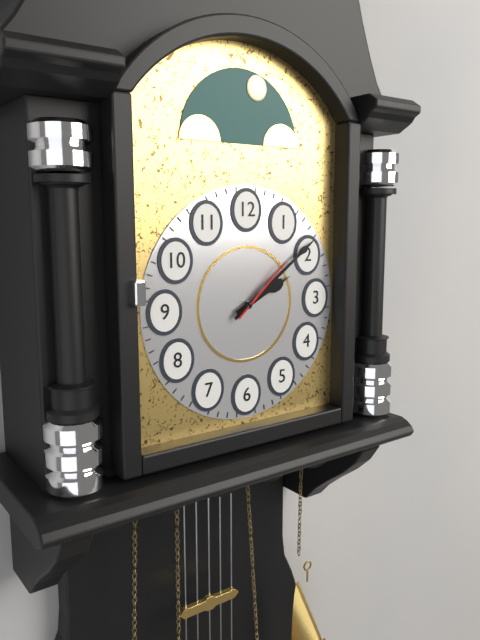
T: 2 h 09 min 08 s
